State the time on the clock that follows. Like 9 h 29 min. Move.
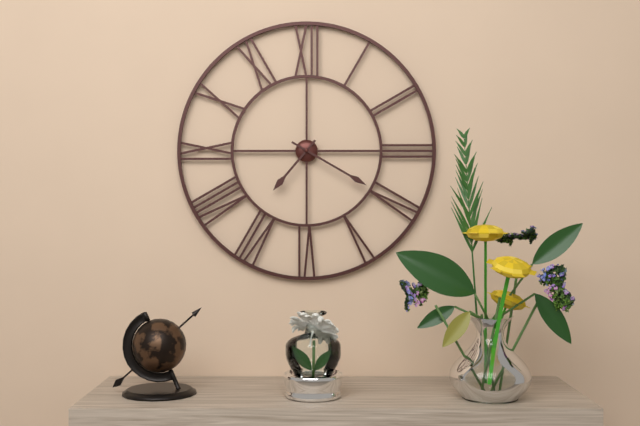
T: 7 h 20 min
